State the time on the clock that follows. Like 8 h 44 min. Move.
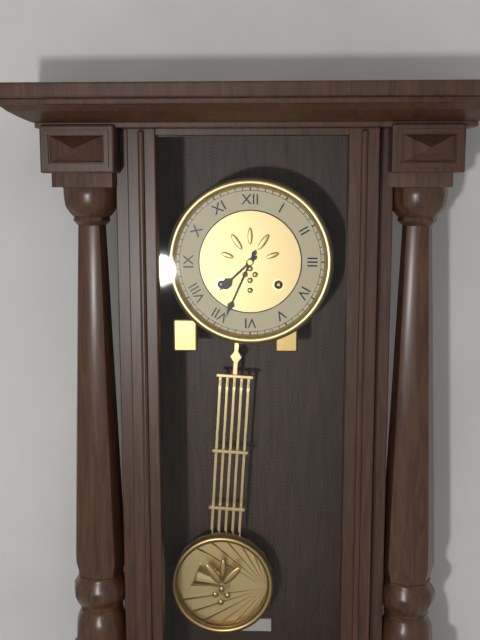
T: 7 h 34 min
